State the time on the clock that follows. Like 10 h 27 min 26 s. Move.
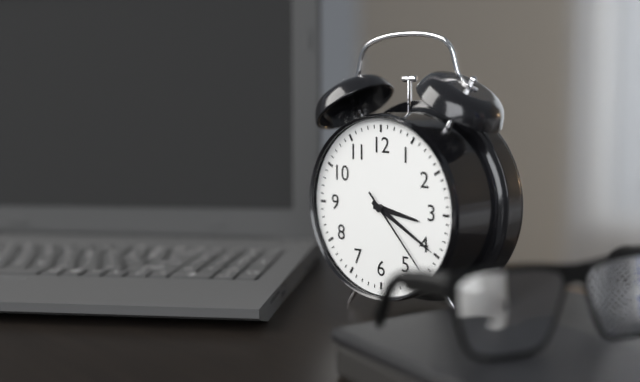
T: 3 h 20 min 23 s
